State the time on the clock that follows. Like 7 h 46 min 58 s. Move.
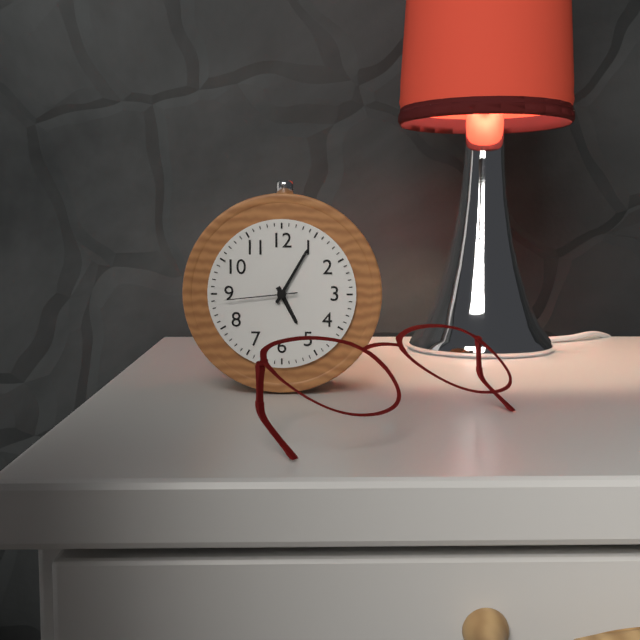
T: 5 h 05 min 44 s
